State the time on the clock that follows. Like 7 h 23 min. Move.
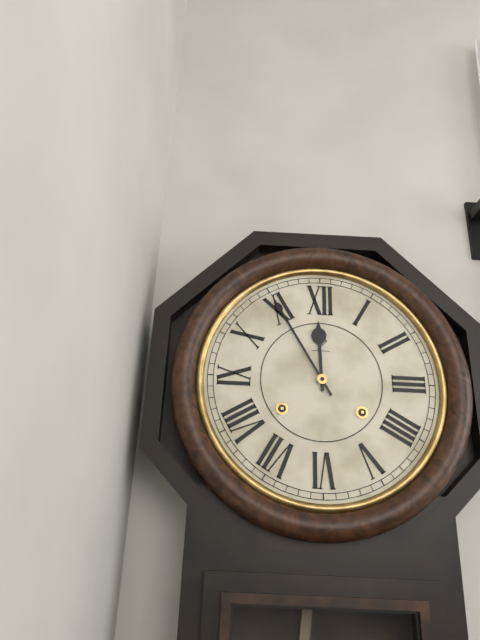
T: 11 h 55 min
